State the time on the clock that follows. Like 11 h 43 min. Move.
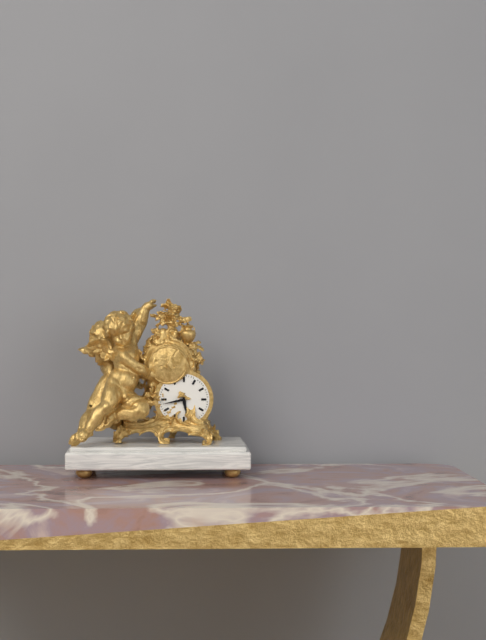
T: 5 h 43 min
